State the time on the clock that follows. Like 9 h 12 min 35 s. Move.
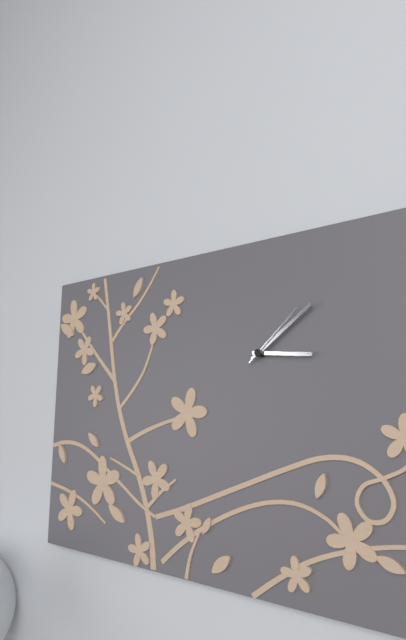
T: 3 h 09 min 08 s
